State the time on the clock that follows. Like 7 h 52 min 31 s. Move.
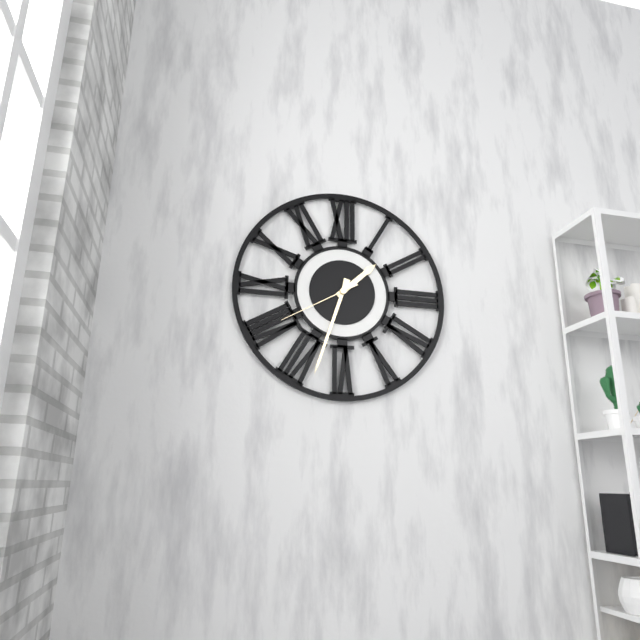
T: 1 h 33 min 40 s
